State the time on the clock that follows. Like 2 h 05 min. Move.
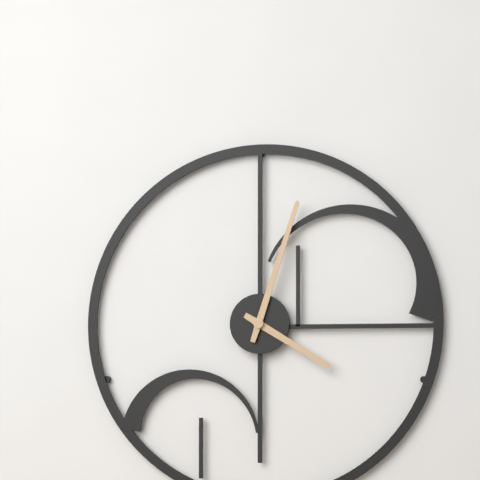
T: 4 h 03 min
